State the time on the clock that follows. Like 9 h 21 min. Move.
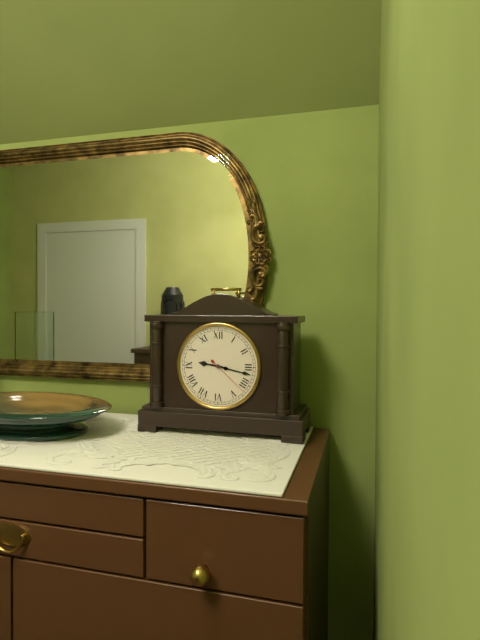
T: 9 h 17 min
